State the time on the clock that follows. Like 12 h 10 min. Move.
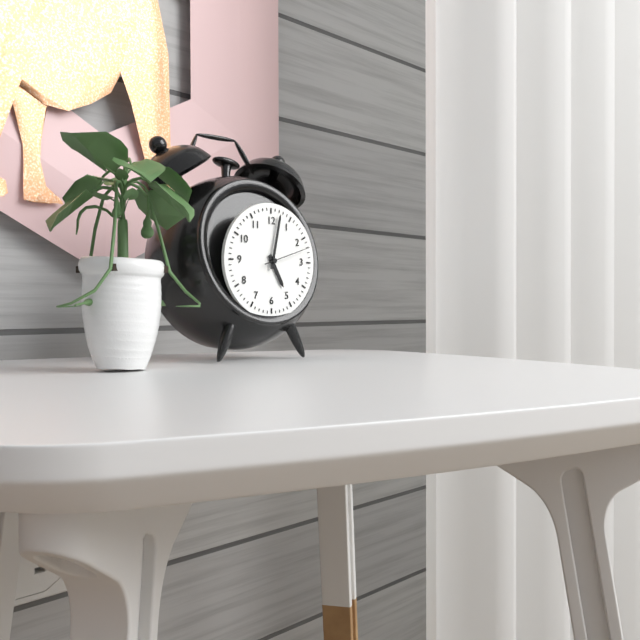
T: 5 h 02 min
